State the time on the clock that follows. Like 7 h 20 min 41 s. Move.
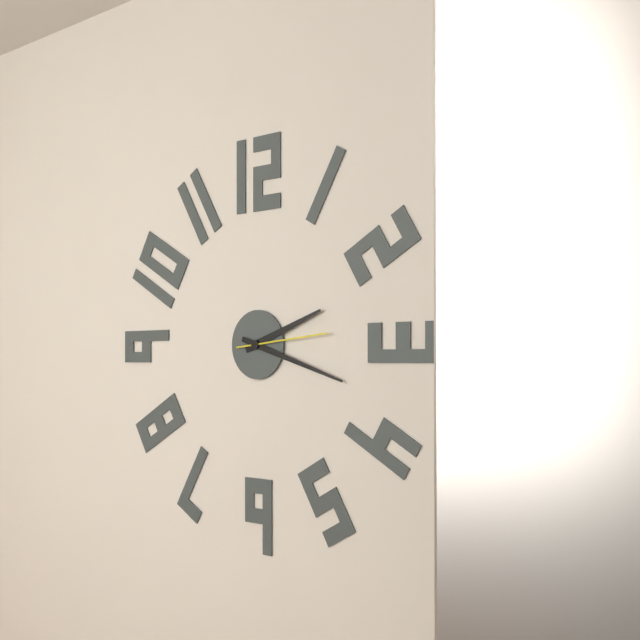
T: 2 h 18 min 14 s
